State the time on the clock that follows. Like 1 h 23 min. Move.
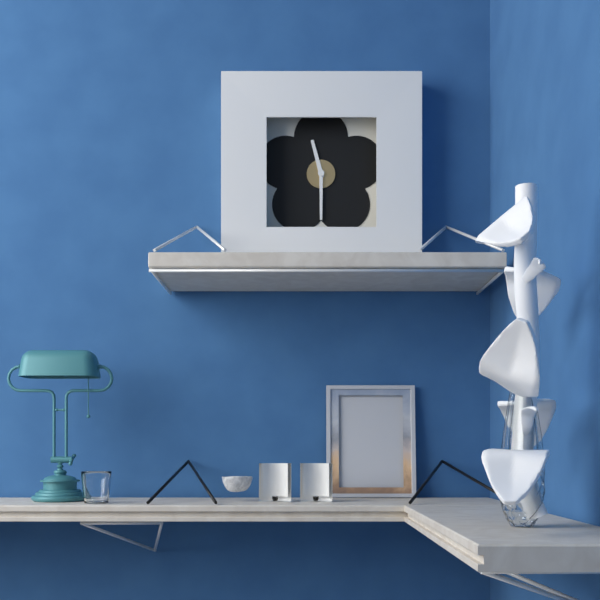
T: 11 h 30 min
